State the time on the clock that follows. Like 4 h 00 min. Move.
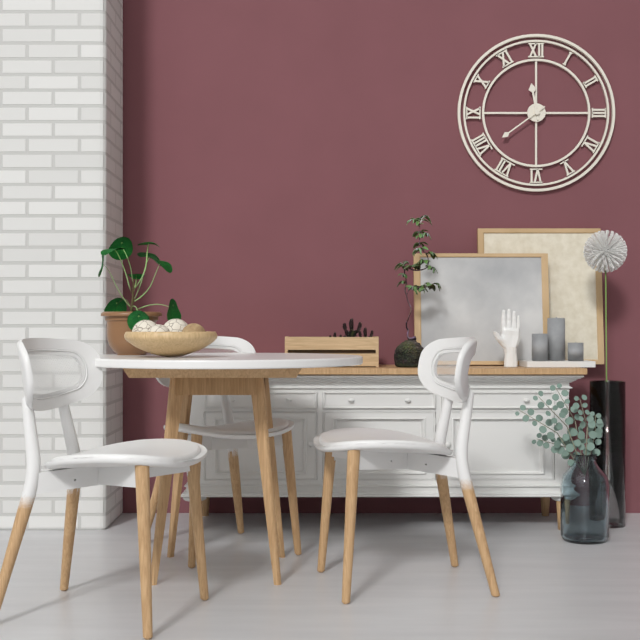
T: 11 h 39 min
